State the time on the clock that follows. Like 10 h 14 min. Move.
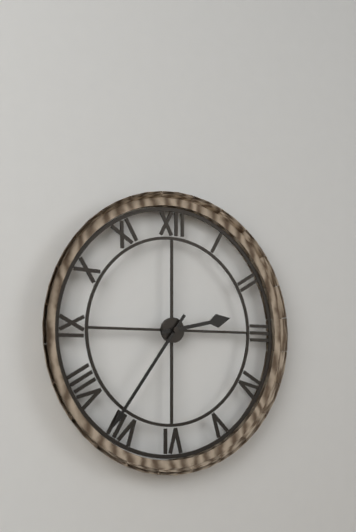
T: 2 h 36 min
